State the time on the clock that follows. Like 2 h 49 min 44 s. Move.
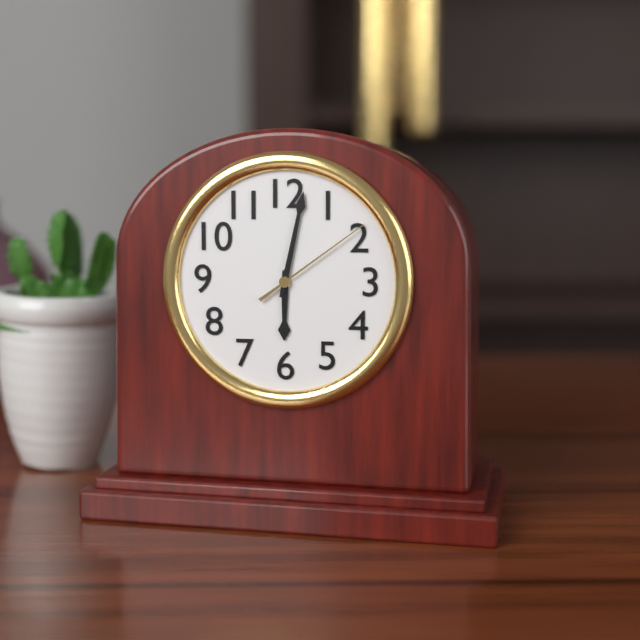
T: 6 h 02 min 09 s
